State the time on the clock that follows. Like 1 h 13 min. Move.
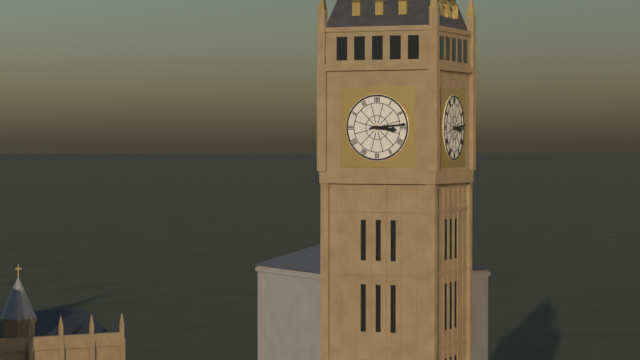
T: 3 h 14 min
